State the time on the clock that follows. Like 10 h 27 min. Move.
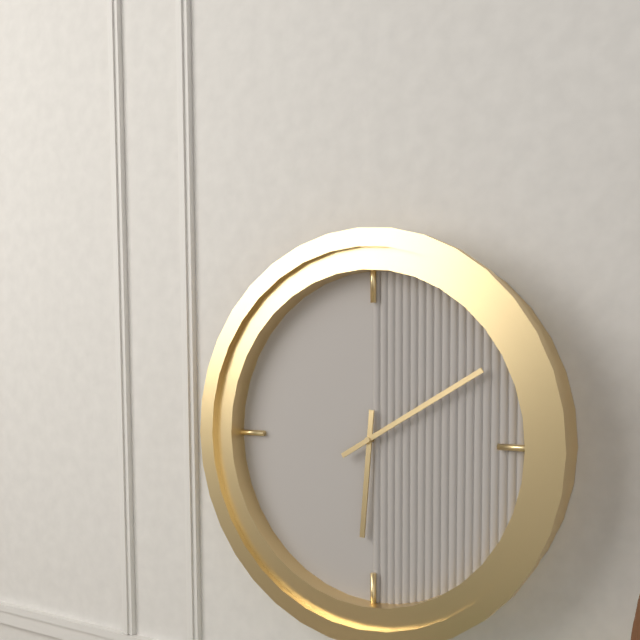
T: 6 h 10 min
